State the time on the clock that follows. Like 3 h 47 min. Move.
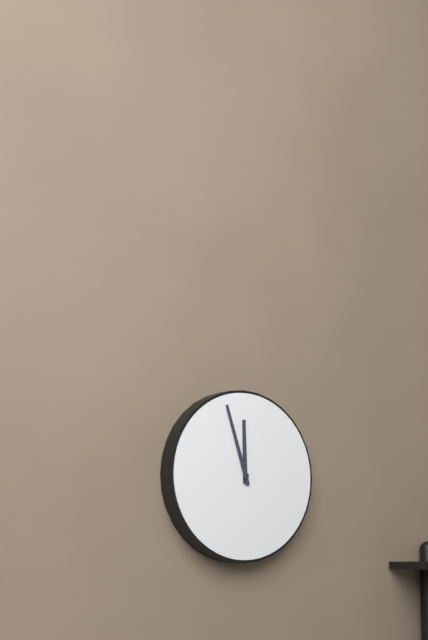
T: 11 h 57 min
